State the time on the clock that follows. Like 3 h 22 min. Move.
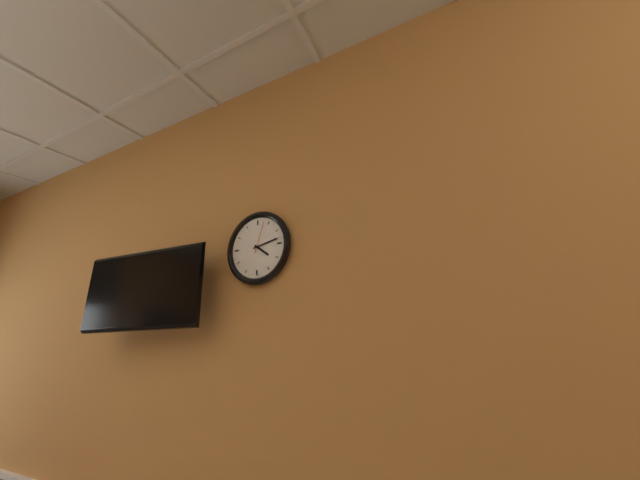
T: 4 h 13 min
